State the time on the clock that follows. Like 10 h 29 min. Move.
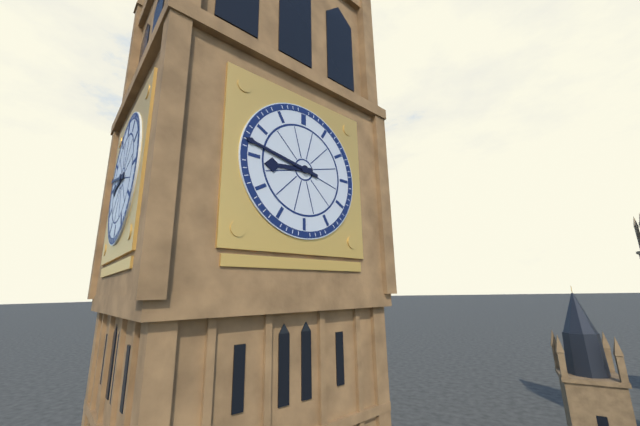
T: 8 h 47 min
